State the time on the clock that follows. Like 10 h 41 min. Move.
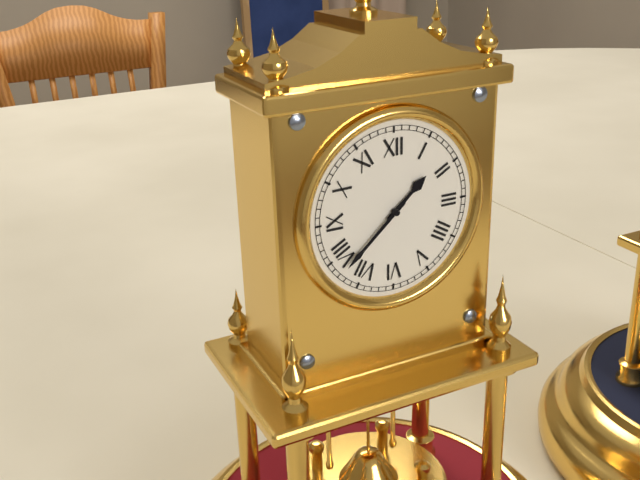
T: 1 h 38 min
